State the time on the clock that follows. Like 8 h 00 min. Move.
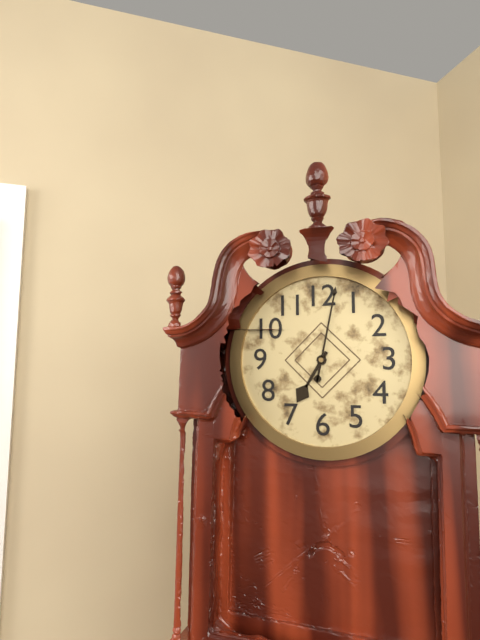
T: 7 h 02 min
